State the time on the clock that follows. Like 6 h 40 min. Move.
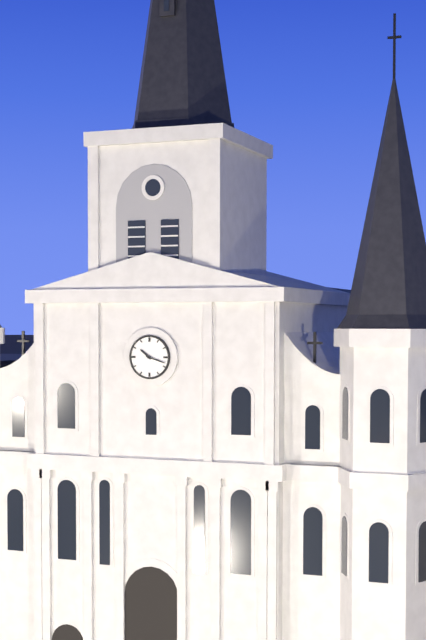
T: 10 h 18 min
